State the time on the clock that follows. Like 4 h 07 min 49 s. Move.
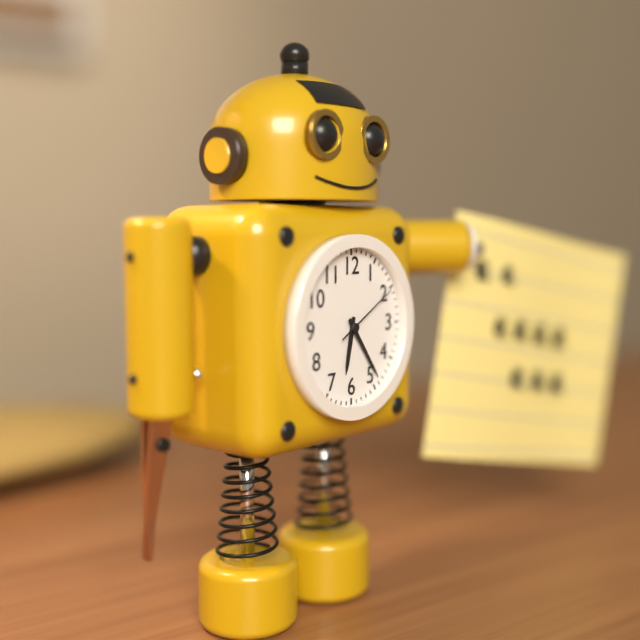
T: 6 h 24 min 10 s
